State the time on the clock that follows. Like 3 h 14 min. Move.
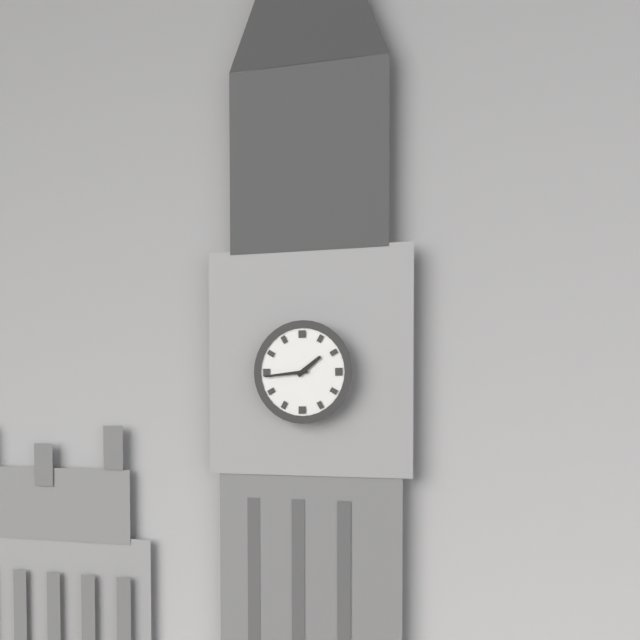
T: 1 h 44 min
